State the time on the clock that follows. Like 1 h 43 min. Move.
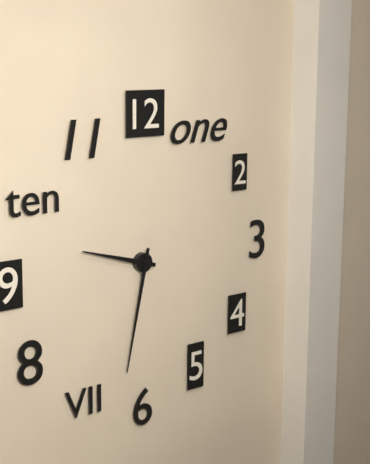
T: 9 h 32 min
